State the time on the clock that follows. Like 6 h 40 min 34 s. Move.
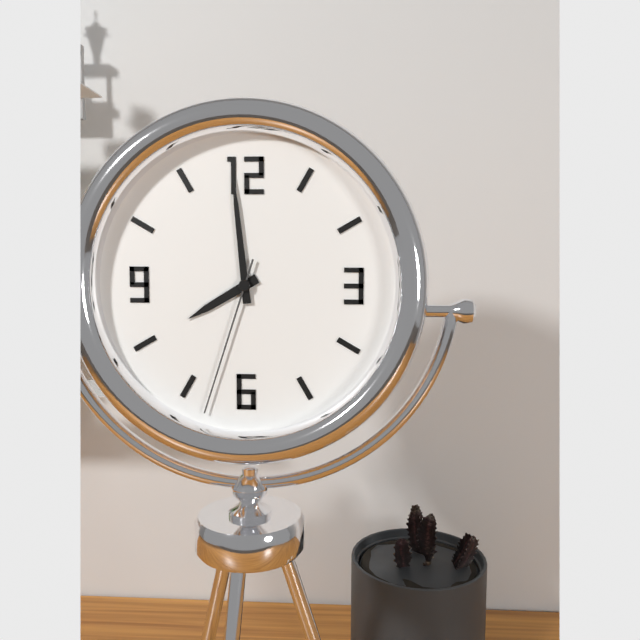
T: 7 h 59 min 33 s
